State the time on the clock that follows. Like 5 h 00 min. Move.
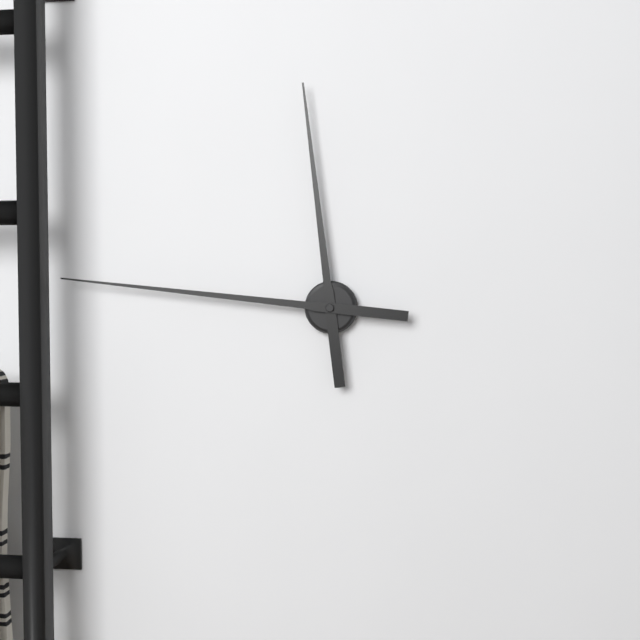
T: 11 h 46 min
